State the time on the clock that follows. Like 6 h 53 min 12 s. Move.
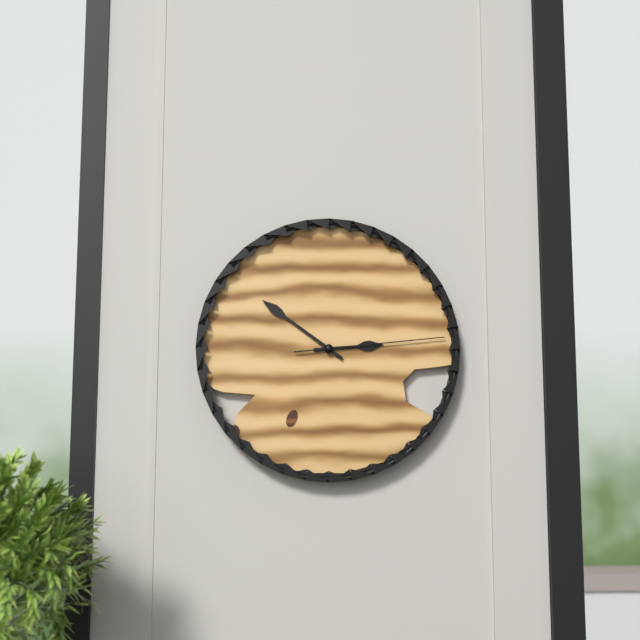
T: 2 h 51 min 14 s
